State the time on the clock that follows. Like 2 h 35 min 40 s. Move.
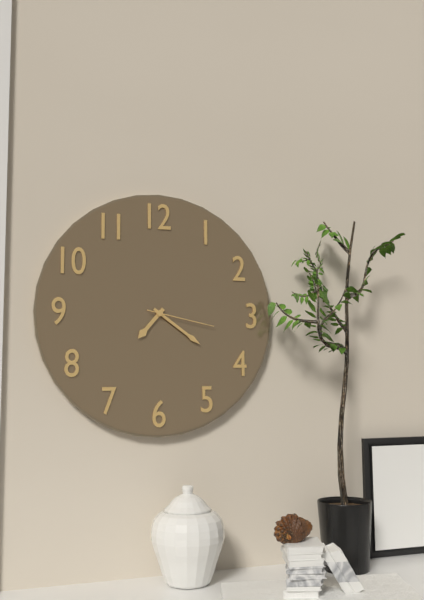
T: 7 h 21 min 17 s
